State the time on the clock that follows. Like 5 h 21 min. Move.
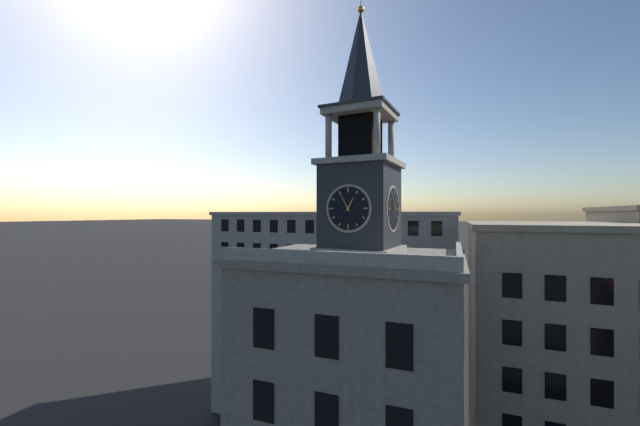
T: 12 h 55 min
